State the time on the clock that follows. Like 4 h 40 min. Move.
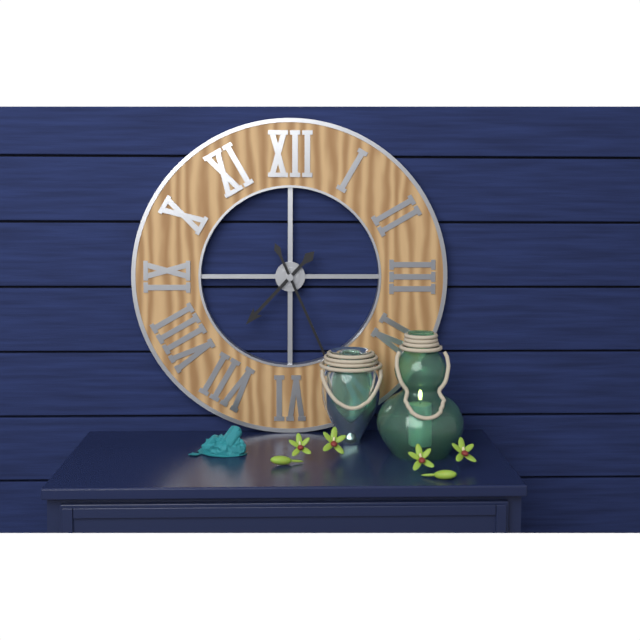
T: 7 h 26 min
